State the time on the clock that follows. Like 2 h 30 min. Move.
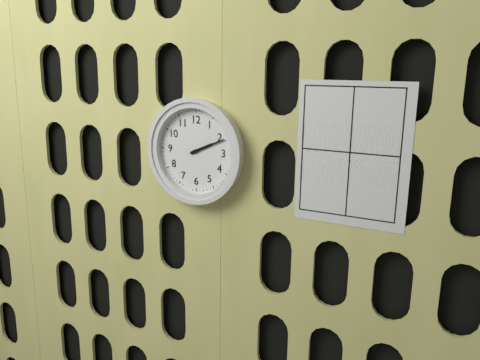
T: 2 h 11 min
